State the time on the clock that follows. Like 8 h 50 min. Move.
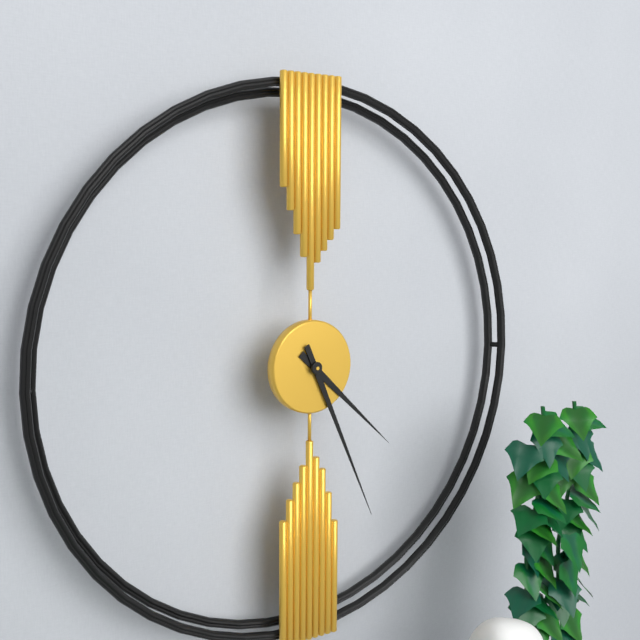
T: 4 h 26 min
